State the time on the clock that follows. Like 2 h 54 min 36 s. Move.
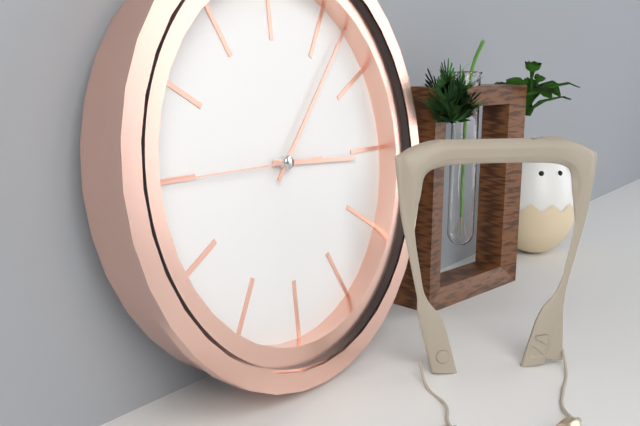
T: 3 h 07 min 45 s
